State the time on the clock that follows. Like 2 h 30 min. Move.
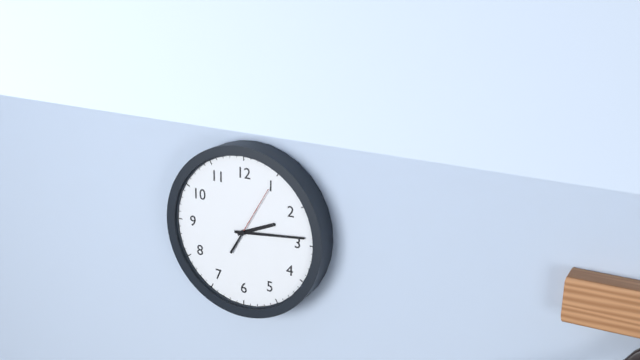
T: 2 h 14 min
